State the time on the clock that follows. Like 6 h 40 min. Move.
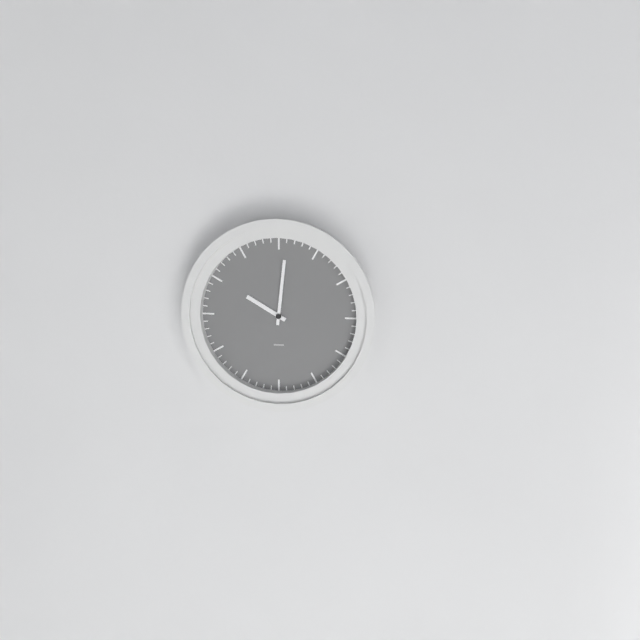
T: 10 h 01 min
